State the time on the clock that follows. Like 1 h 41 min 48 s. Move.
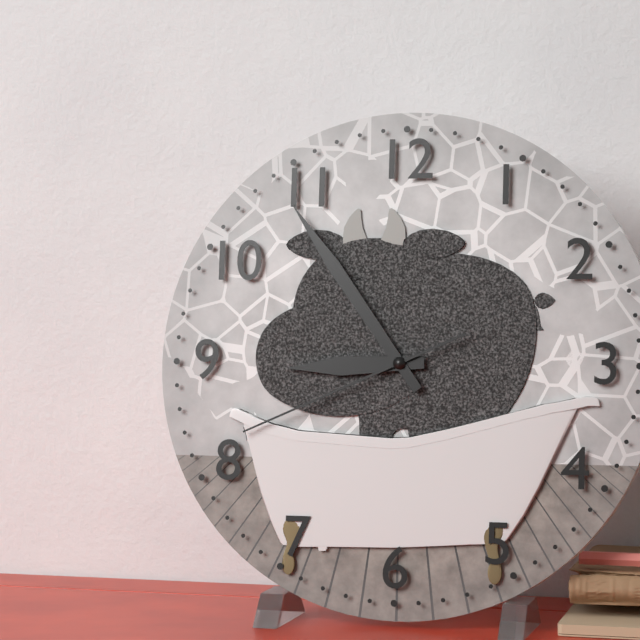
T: 8 h 54 min 41 s
